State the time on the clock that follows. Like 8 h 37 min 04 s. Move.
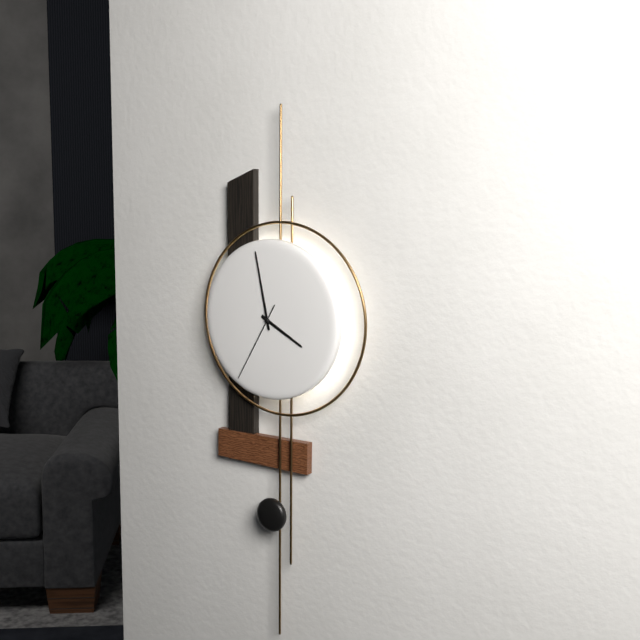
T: 3 h 58 min 35 s
